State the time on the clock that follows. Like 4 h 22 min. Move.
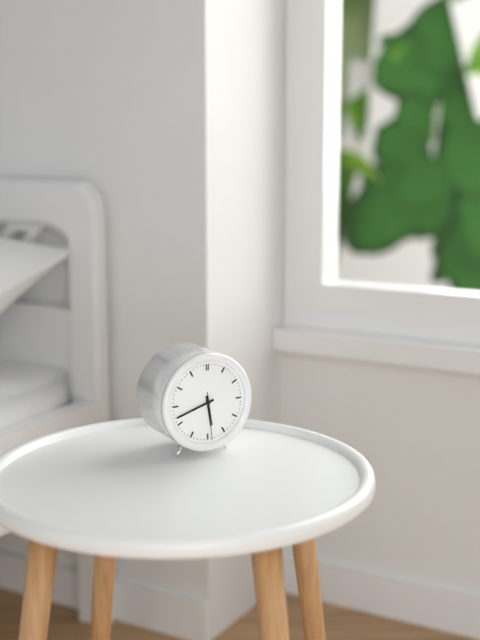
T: 5 h 42 min
